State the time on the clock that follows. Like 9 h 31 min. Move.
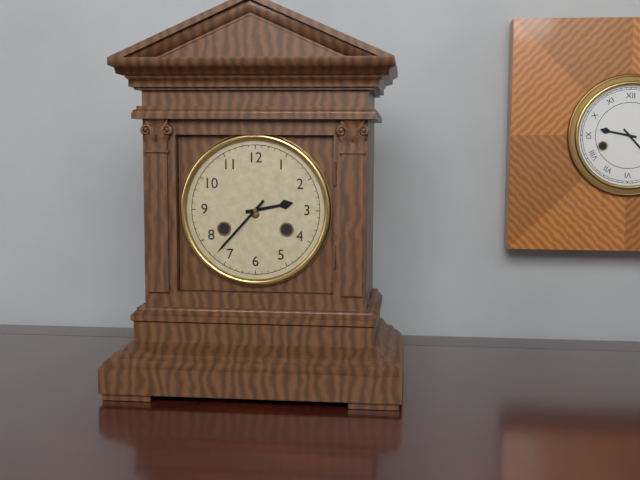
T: 2 h 37 min
